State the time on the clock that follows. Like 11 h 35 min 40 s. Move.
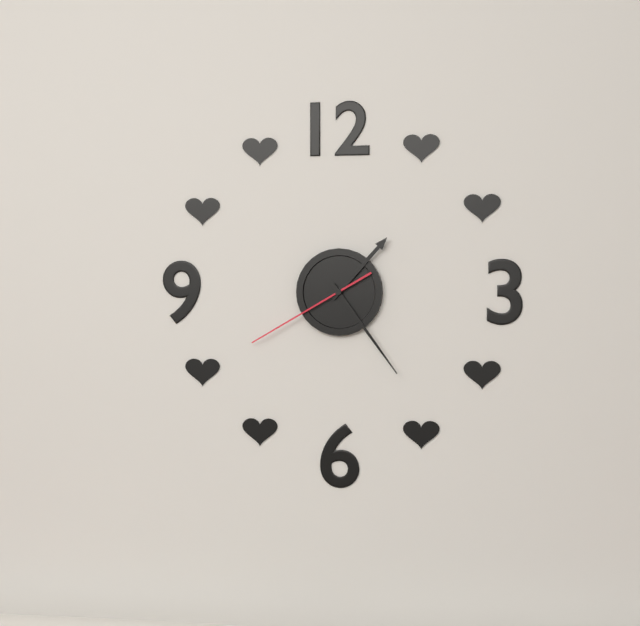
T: 1 h 24 min 40 s
